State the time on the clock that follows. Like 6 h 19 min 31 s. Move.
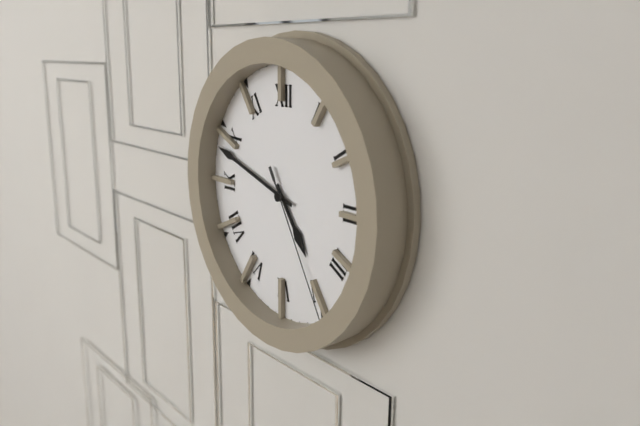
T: 4 h 48 min 25 s
